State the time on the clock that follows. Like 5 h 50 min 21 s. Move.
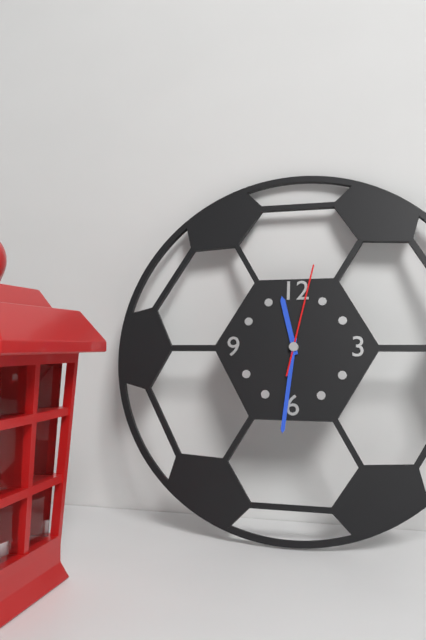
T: 11 h 31 min 02 s
